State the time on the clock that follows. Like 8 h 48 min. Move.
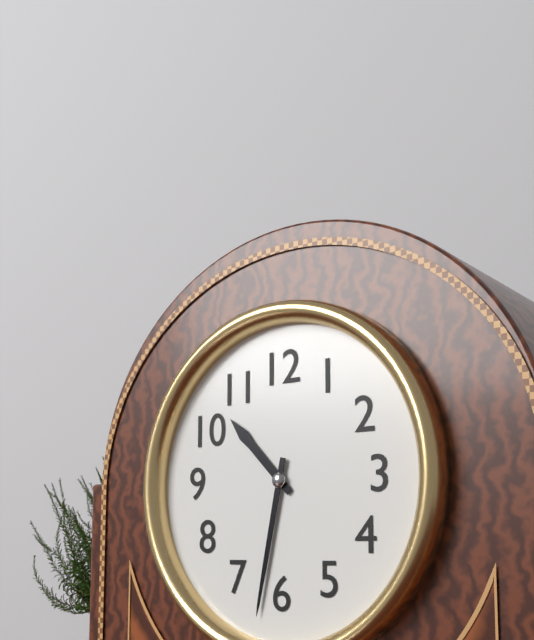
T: 10 h 32 min
